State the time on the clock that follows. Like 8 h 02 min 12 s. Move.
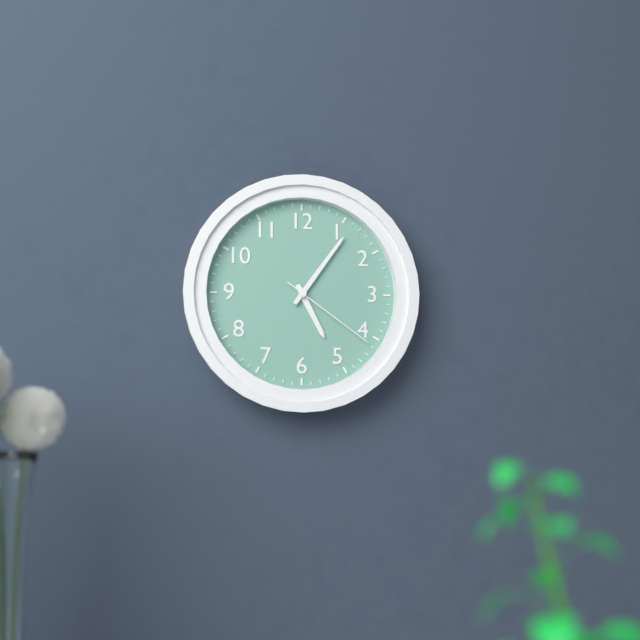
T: 5 h 06 min 21 s
